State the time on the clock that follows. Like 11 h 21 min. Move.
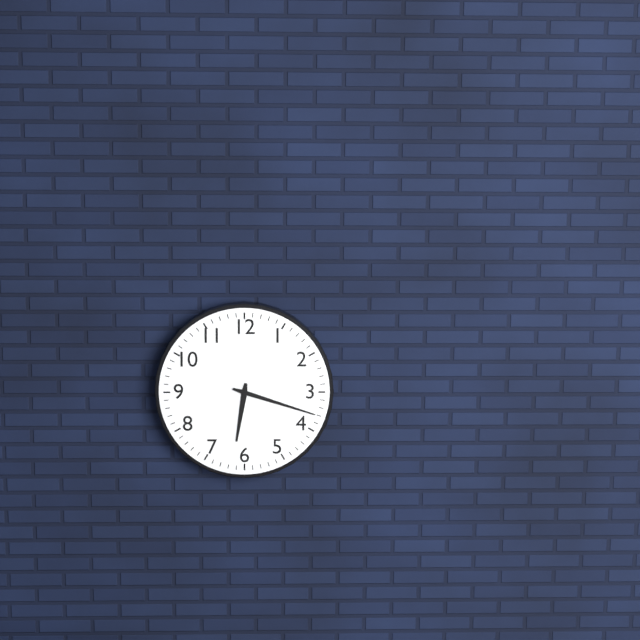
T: 6 h 18 min
